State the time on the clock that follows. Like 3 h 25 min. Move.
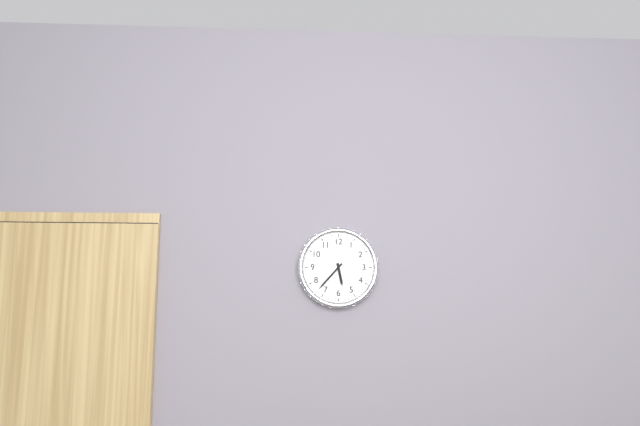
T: 5 h 37 min
